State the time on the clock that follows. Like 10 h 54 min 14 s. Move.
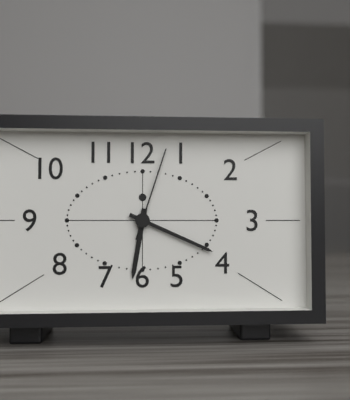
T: 6 h 19 min 03 s
